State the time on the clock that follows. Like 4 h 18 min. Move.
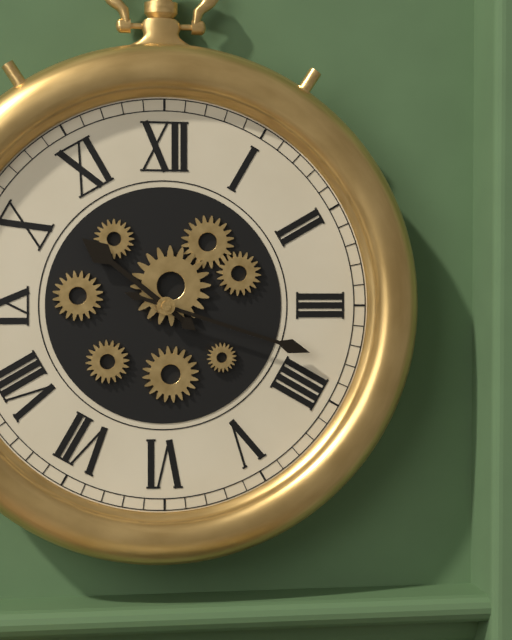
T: 10 h 18 min
